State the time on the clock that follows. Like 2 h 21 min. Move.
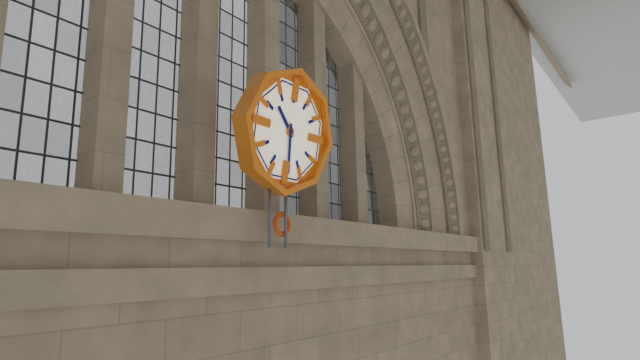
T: 10 h 29 min
